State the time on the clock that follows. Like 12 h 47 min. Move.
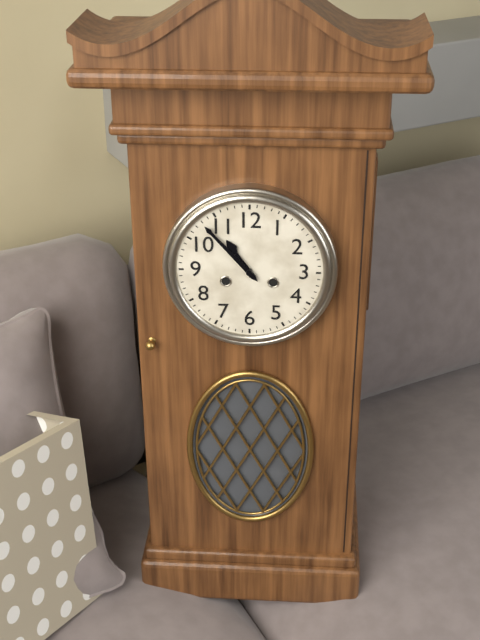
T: 10 h 53 min
